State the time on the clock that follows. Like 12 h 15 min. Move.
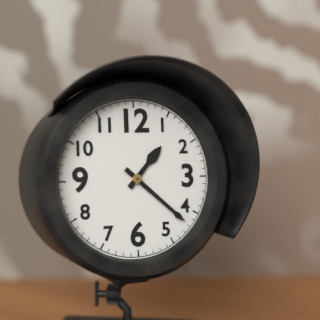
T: 1 h 22 min
